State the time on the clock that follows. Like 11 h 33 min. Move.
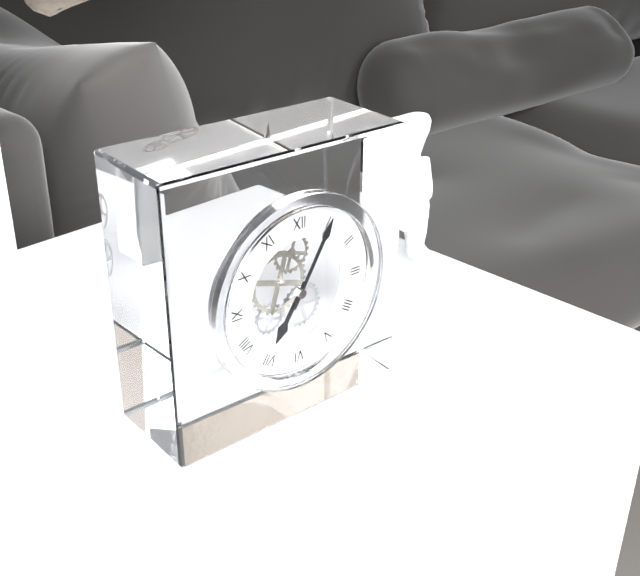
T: 7 h 05 min
